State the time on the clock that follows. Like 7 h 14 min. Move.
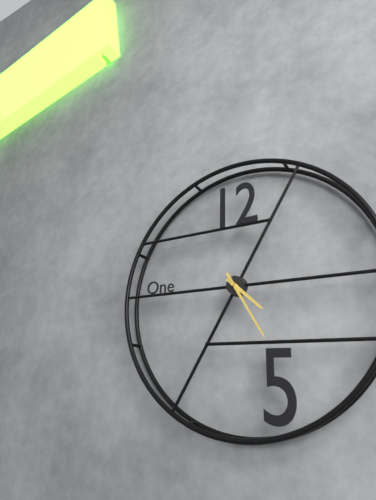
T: 4 h 25 min
